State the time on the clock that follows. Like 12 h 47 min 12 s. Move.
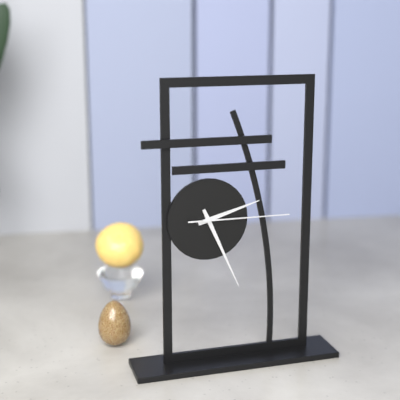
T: 2 h 26 min 15 s
